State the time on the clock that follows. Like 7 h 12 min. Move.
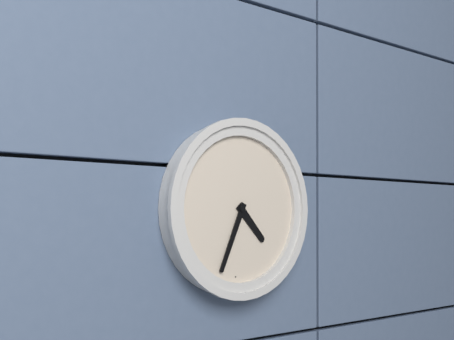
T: 4 h 34 min
